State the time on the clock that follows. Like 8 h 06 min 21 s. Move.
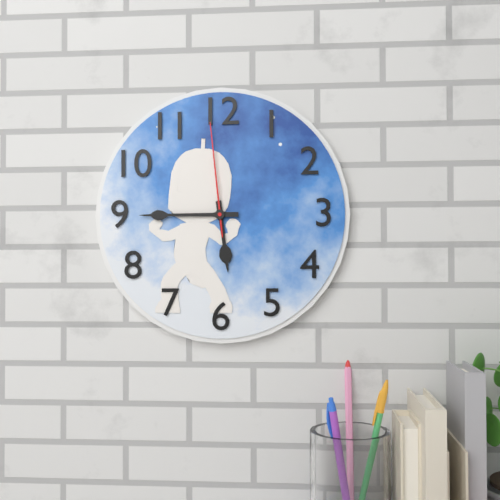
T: 5 h 45 min 59 s
